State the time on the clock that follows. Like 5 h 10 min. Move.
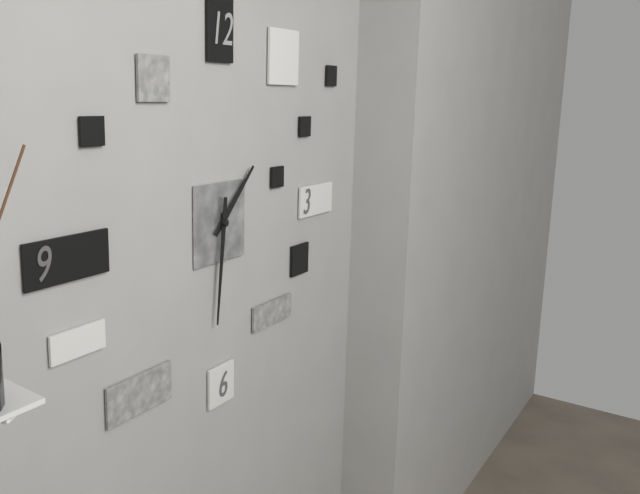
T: 1 h 31 min
